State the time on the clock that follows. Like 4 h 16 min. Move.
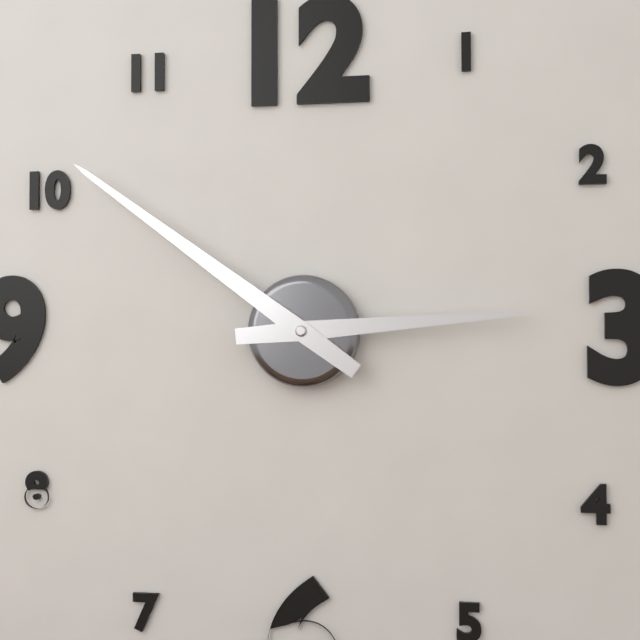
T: 2 h 51 min
